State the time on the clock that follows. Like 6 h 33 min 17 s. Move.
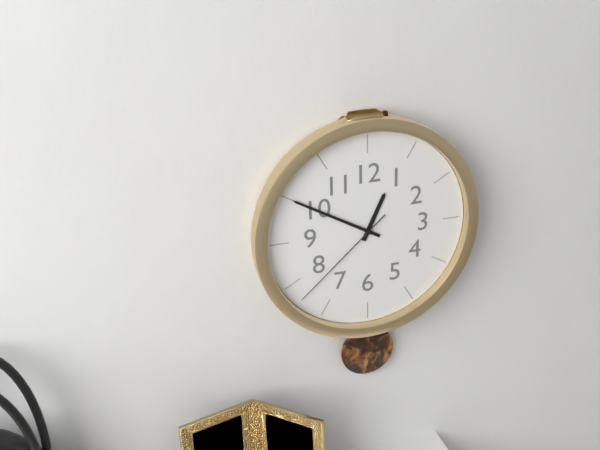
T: 12 h 50 min 38 s
